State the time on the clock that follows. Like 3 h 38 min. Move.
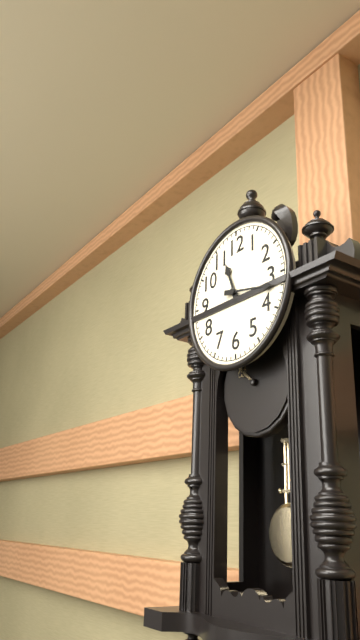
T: 11 h 17 min
